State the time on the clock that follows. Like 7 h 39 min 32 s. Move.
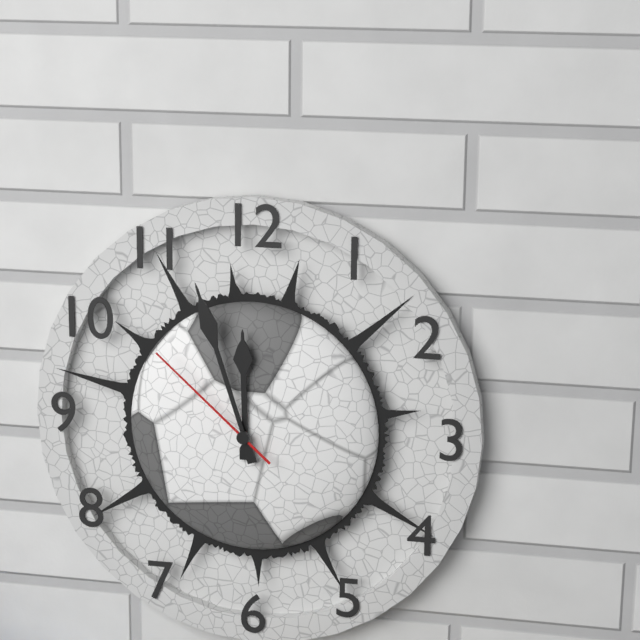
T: 11 h 57 min 52 s
